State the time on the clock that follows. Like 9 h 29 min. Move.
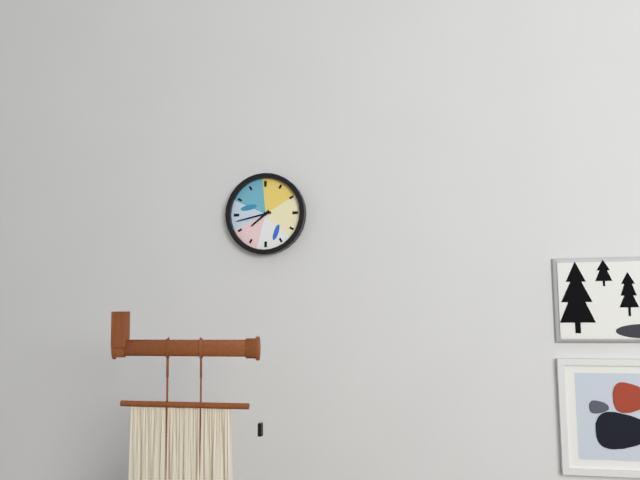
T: 7 h 43 min
